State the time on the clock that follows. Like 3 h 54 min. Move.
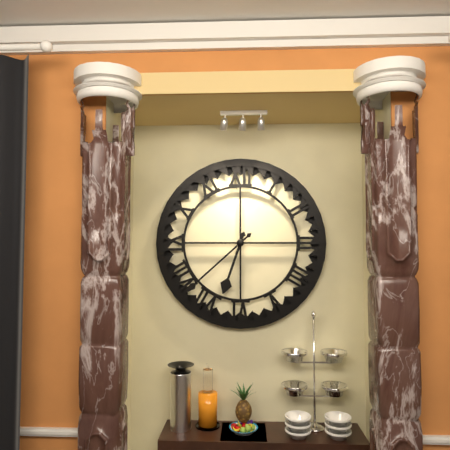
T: 6 h 38 min
